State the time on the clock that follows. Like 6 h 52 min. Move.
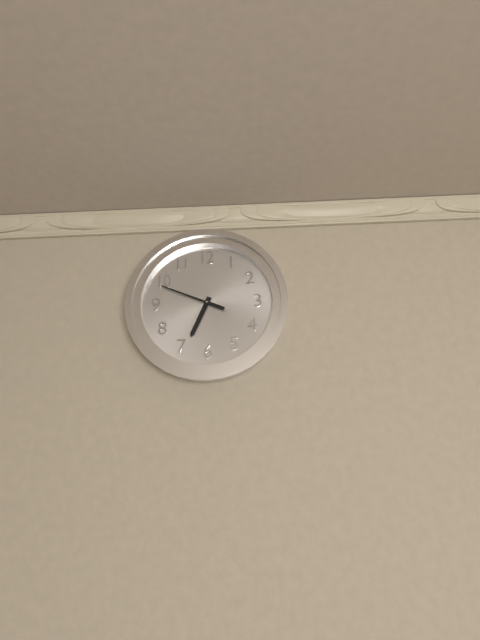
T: 6 h 49 min
